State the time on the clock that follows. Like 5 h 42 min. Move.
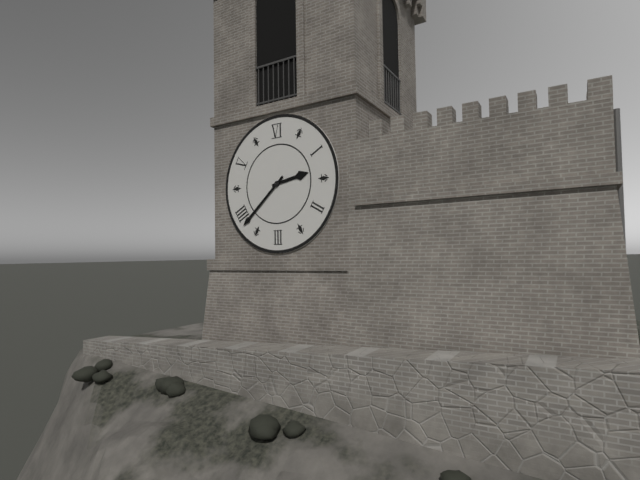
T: 2 h 38 min
